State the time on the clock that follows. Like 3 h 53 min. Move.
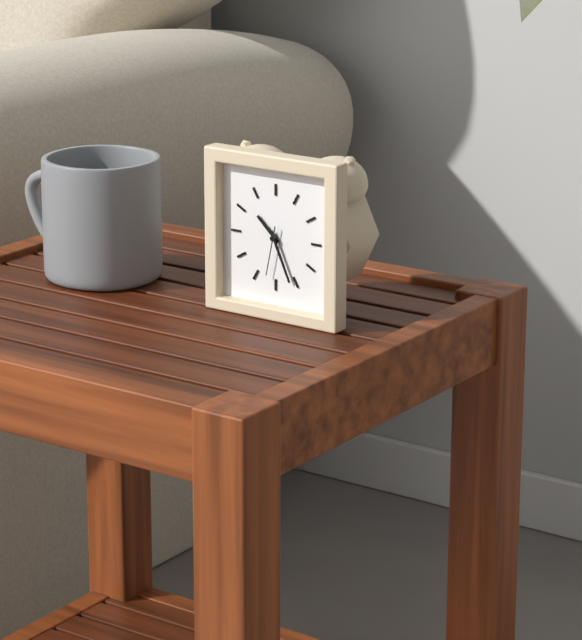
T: 10 h 26 min
